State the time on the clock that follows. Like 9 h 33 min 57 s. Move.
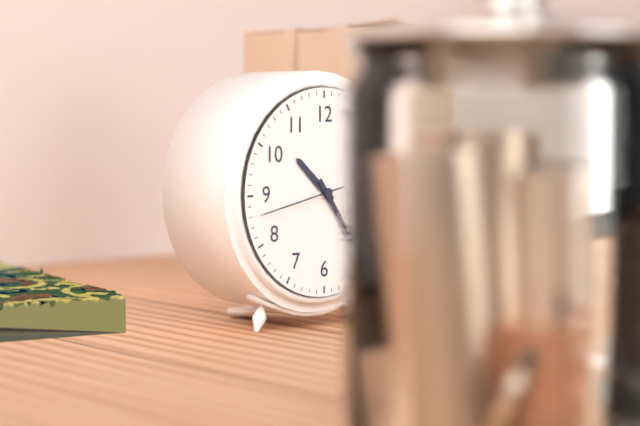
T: 10 h 24 min 43 s
